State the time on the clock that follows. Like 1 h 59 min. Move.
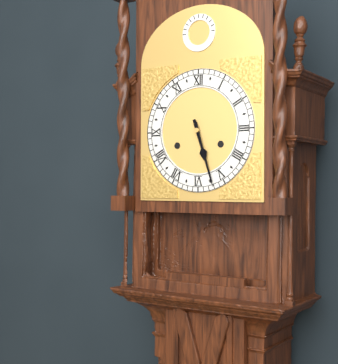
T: 5 h 27 min
